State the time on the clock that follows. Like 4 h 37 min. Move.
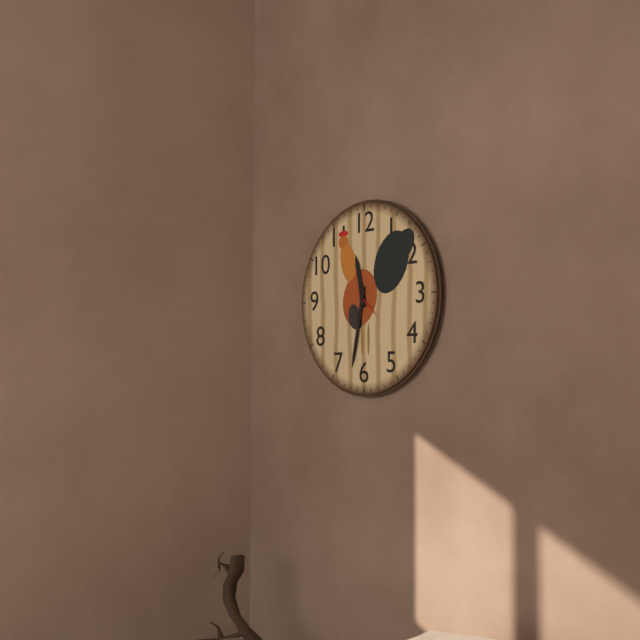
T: 11 h 32 min
